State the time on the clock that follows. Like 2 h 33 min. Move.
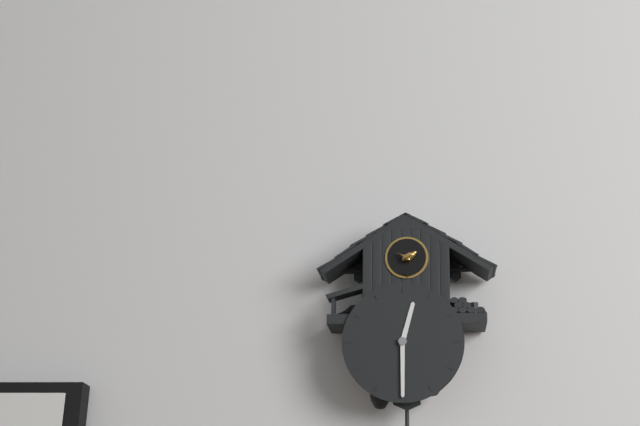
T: 12 h 30 min
